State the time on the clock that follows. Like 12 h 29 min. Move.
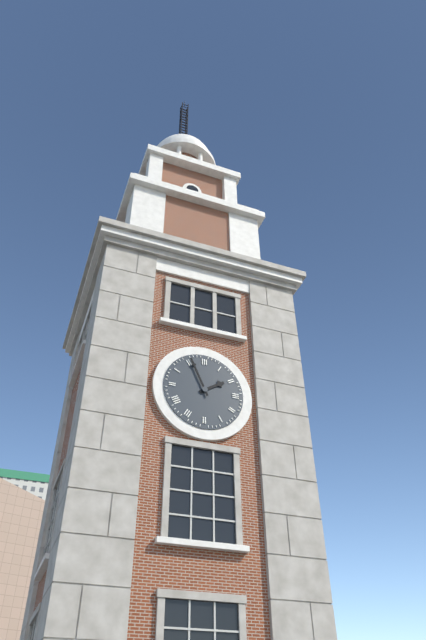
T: 1 h 56 min
